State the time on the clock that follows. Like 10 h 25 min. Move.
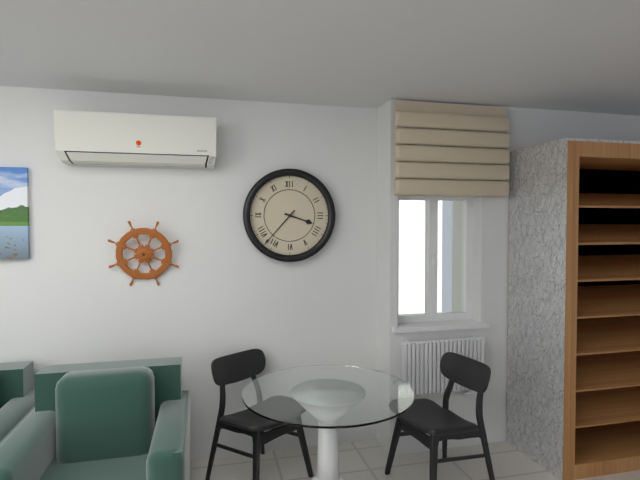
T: 3 h 37 min
